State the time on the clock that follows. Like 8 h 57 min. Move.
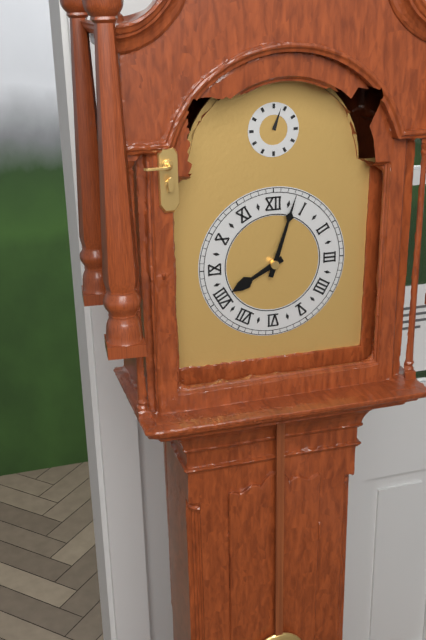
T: 8 h 03 min
